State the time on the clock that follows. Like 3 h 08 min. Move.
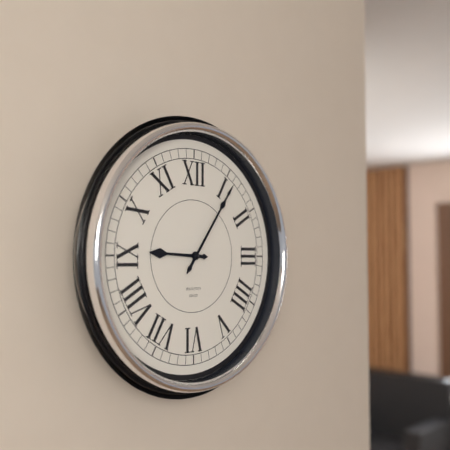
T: 9 h 06 min
